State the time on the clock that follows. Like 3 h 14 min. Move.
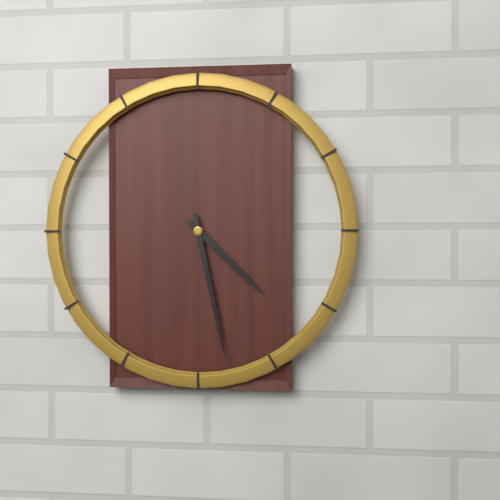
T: 4 h 28 min
